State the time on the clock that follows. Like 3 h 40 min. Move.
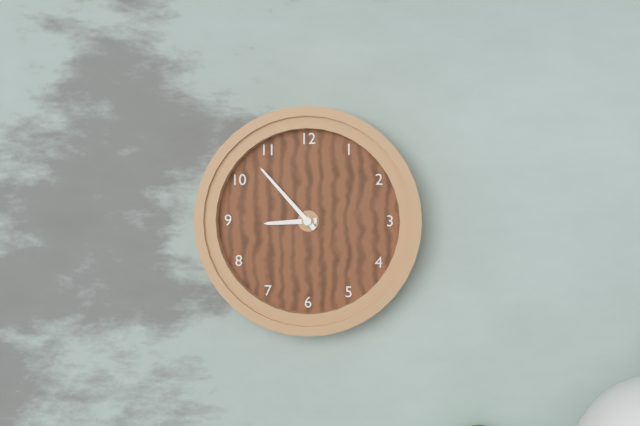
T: 8 h 53 min
